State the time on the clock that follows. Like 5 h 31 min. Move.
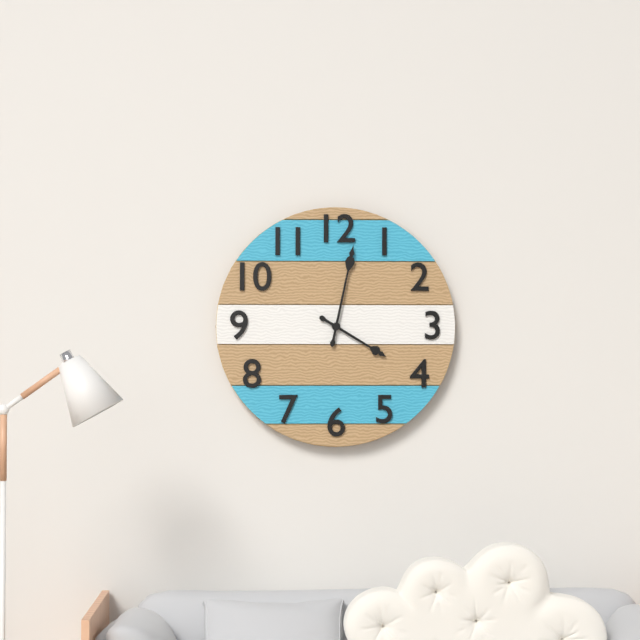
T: 4 h 02 min
